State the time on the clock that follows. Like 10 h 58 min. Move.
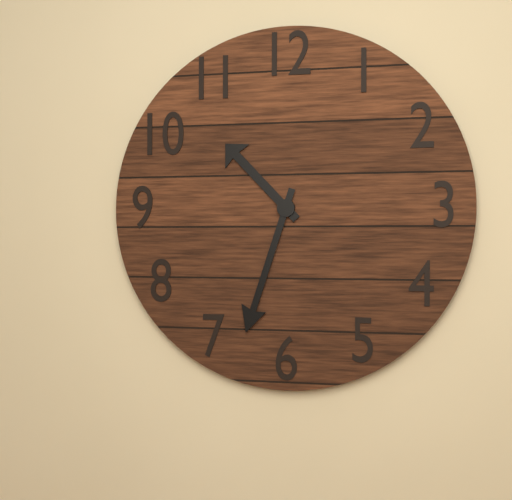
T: 10 h 33 min
